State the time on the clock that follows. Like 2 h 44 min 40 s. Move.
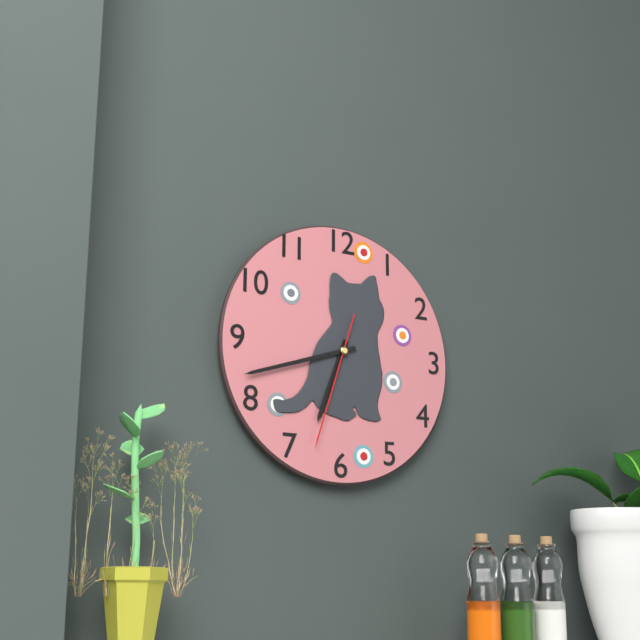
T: 6 h 42 min 33 s
